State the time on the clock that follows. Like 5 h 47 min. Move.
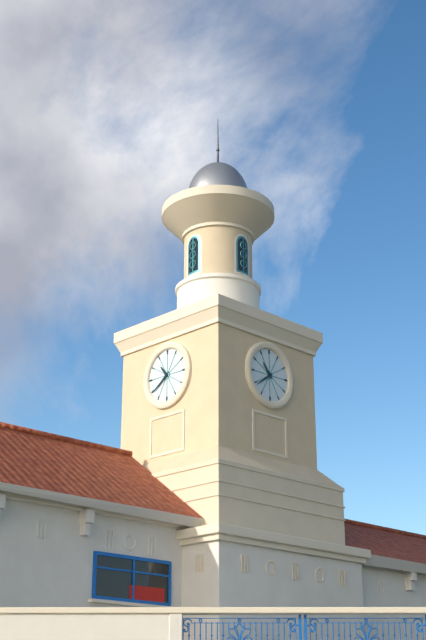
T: 10 h 39 min
